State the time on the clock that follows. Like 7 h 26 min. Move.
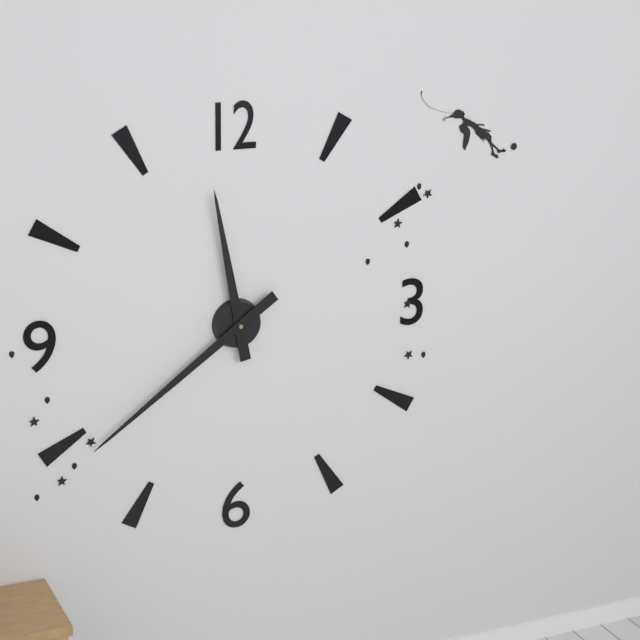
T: 11 h 39 min
